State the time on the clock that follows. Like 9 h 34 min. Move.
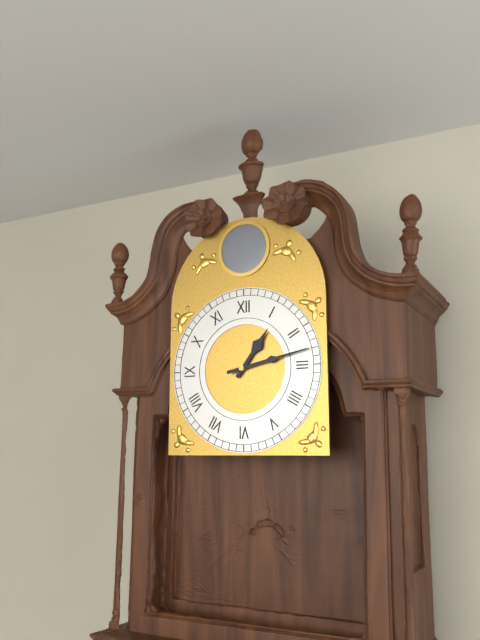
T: 1 h 13 min
